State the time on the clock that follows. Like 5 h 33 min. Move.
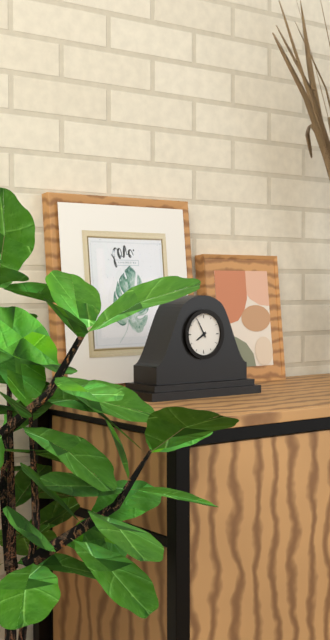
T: 7 h 55 min
